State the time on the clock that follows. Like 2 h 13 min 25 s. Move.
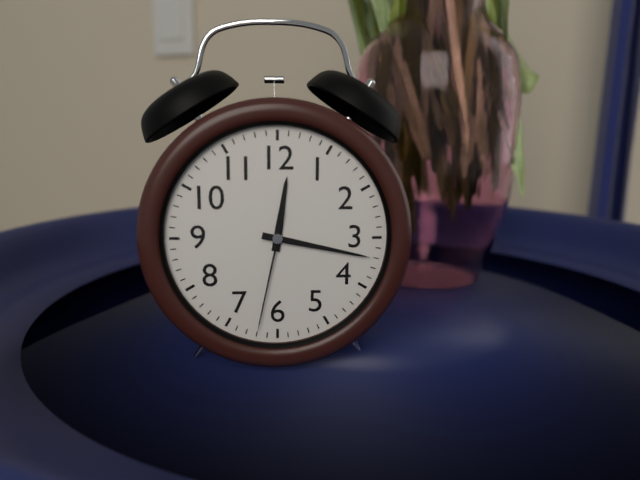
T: 12 h 17 min 32 s
